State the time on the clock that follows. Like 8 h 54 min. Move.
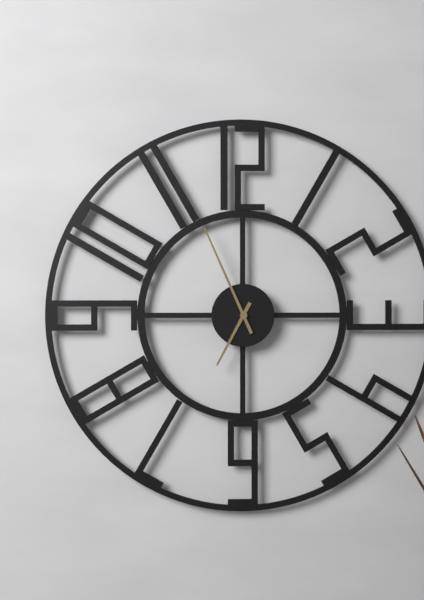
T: 6 h 56 min
